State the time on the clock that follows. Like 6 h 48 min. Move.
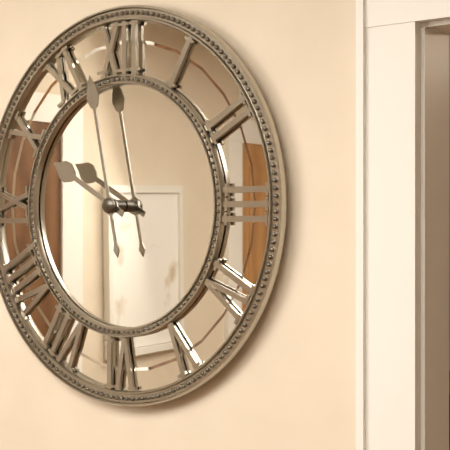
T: 9 h 58 min
